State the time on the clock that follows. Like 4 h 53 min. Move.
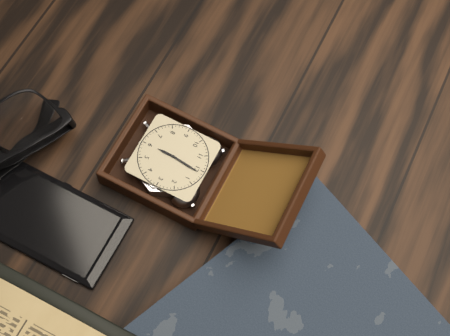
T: 6 h 01 min
